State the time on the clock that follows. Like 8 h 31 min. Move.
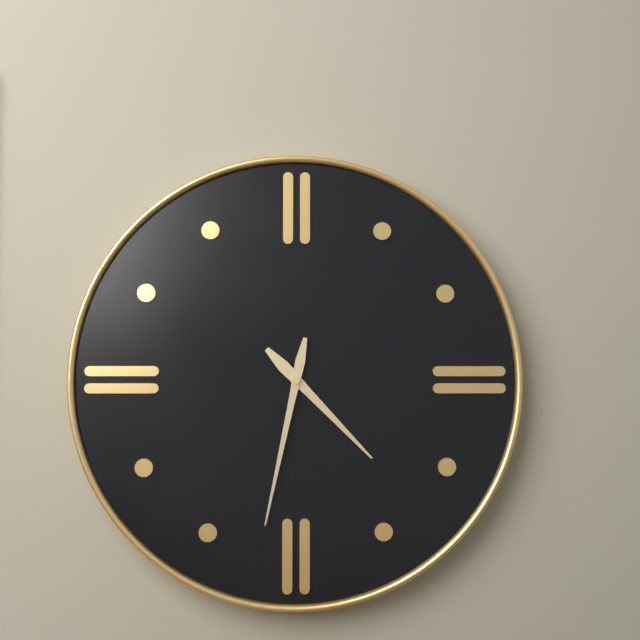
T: 4 h 32 min
